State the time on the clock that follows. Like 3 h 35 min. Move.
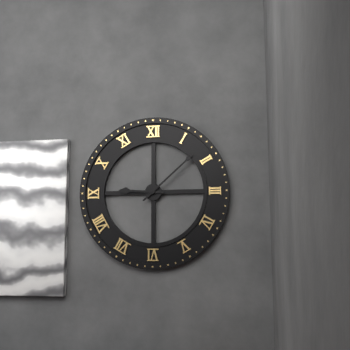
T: 9 h 08 min
